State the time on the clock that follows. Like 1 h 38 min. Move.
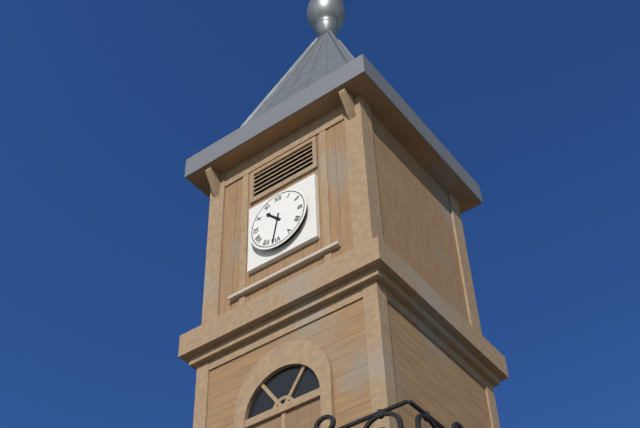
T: 10 h 32 min
